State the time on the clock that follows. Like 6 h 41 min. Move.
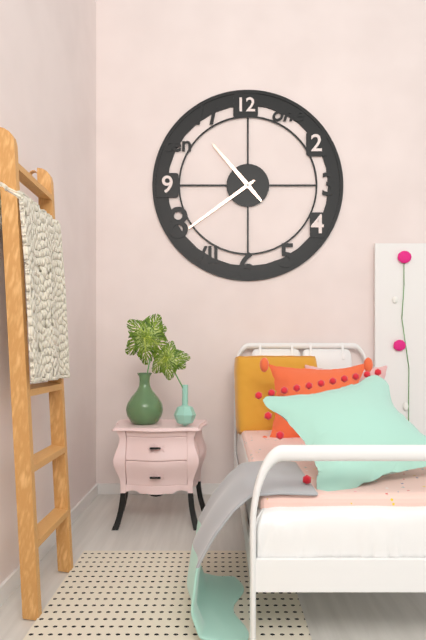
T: 10 h 39 min
